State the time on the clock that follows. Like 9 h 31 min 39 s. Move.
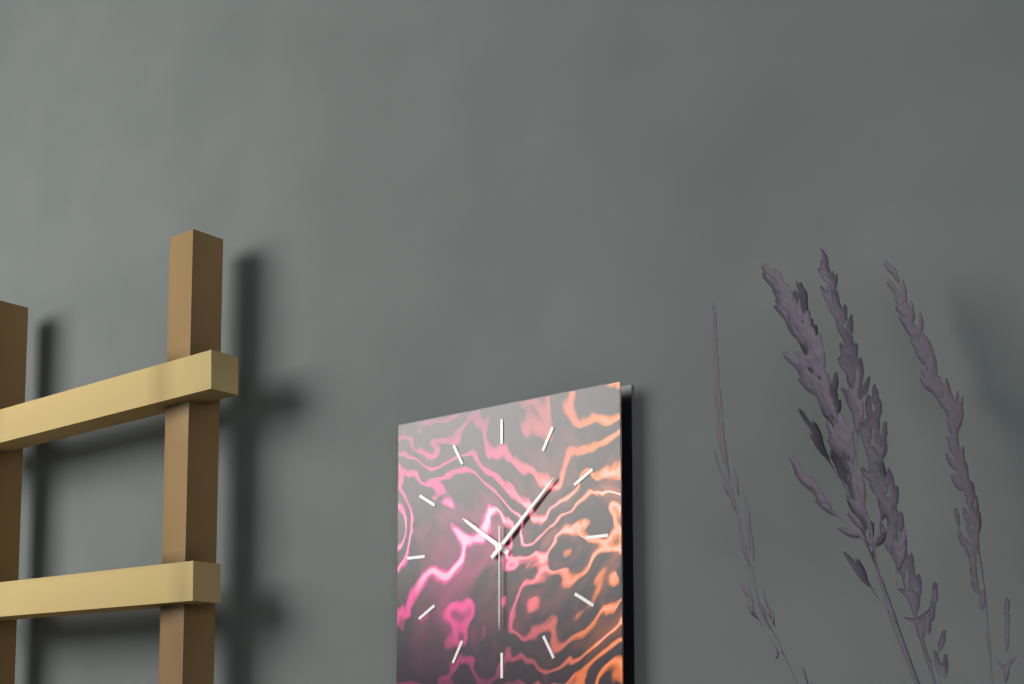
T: 10 h 08 min 30 s
